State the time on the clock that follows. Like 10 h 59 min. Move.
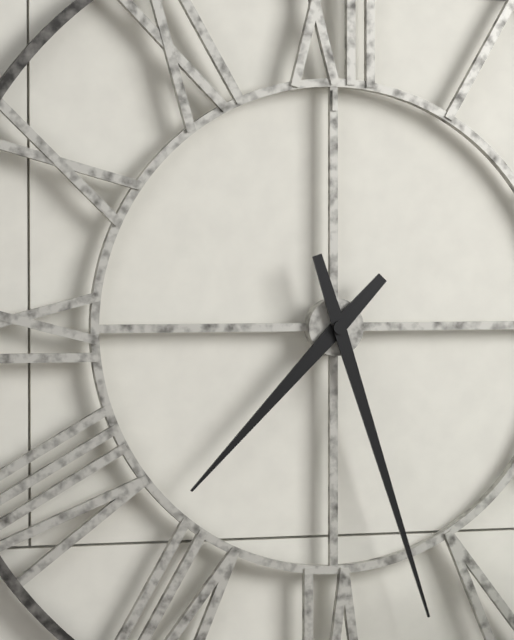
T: 7 h 27 min
